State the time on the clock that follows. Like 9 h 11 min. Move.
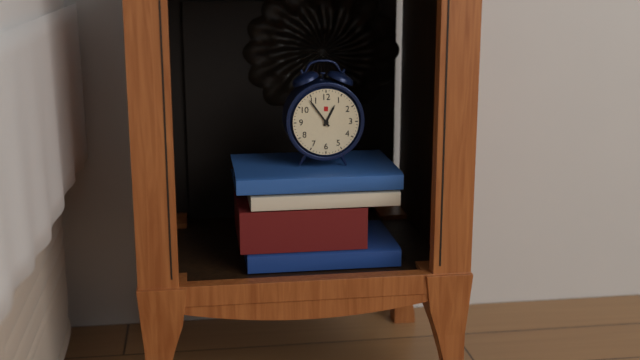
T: 12 h 54 min
